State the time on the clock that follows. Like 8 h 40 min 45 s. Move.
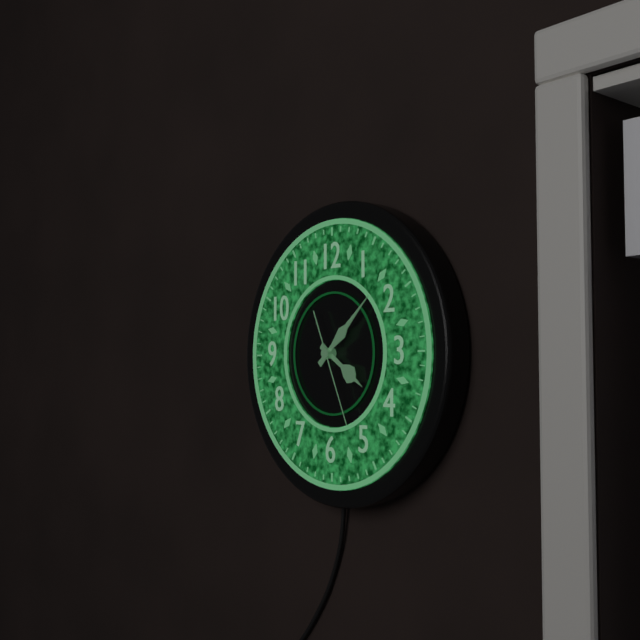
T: 4 h 08 min 26 s
